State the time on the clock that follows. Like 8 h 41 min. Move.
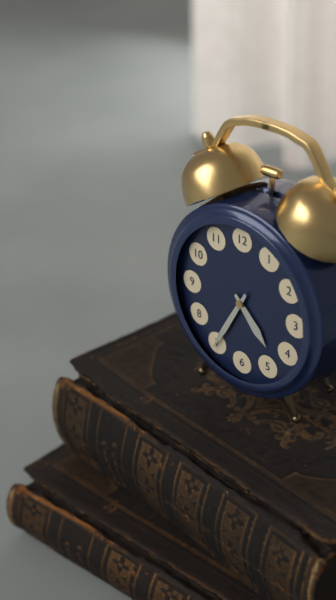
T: 4 h 35 min
